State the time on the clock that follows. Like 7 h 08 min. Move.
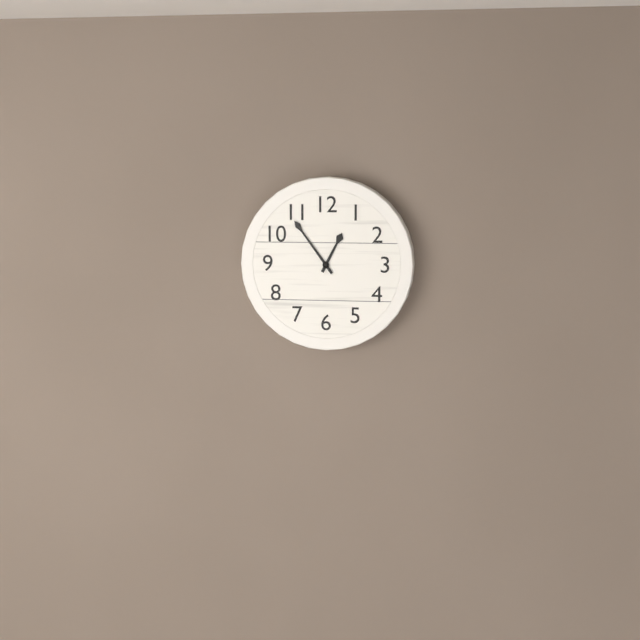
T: 12 h 54 min
